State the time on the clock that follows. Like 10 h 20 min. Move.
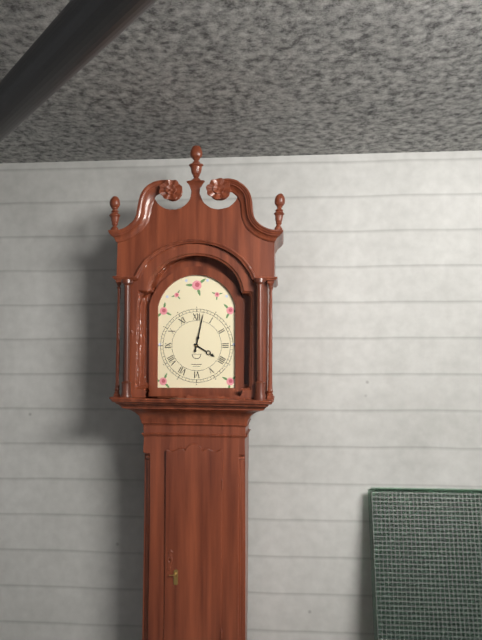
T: 4 h 02 min
